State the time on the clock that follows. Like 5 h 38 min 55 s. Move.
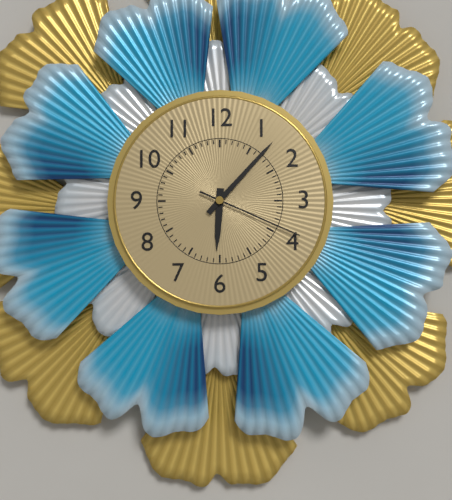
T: 6 h 07 min 19 s
